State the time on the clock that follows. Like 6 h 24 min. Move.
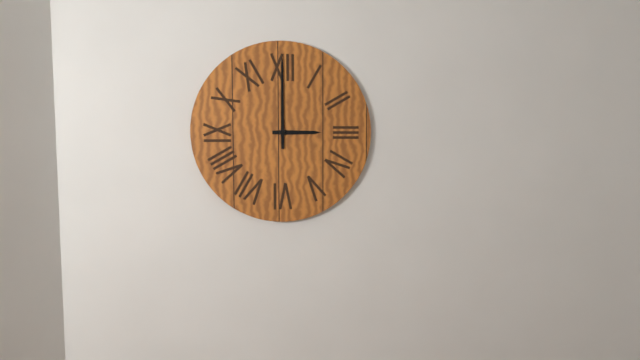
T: 3 h 00 min
